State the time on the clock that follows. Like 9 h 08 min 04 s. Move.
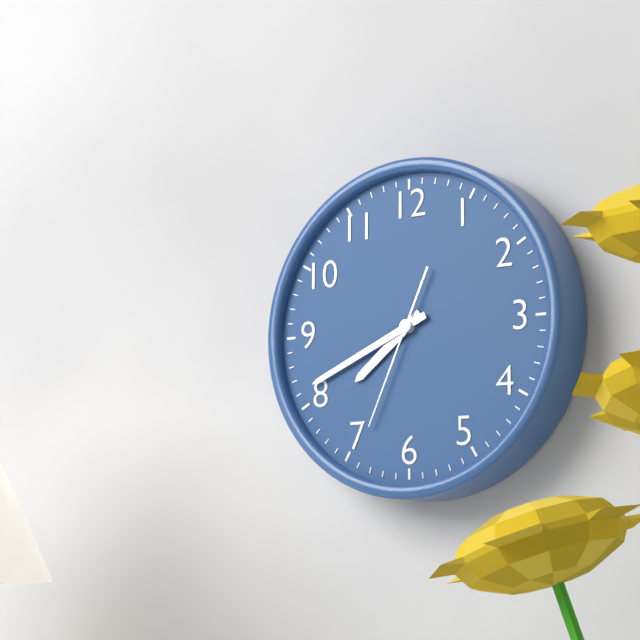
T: 7 h 41 min 34 s
